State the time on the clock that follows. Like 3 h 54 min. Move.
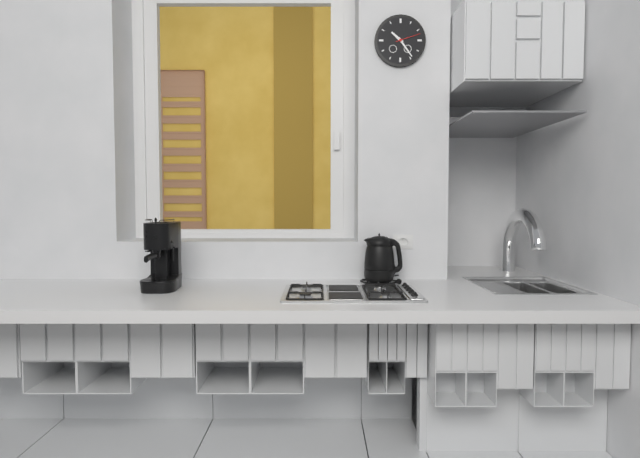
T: 10 h 24 min
